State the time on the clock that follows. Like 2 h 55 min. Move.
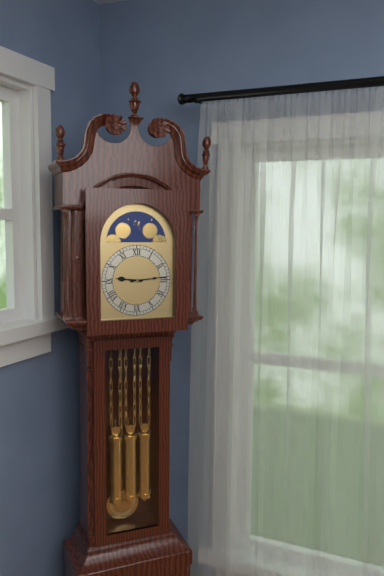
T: 9 h 14 min
